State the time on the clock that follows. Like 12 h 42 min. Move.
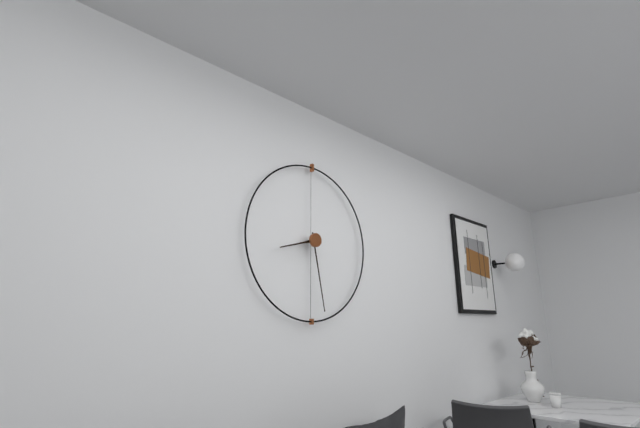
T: 8 h 28 min
